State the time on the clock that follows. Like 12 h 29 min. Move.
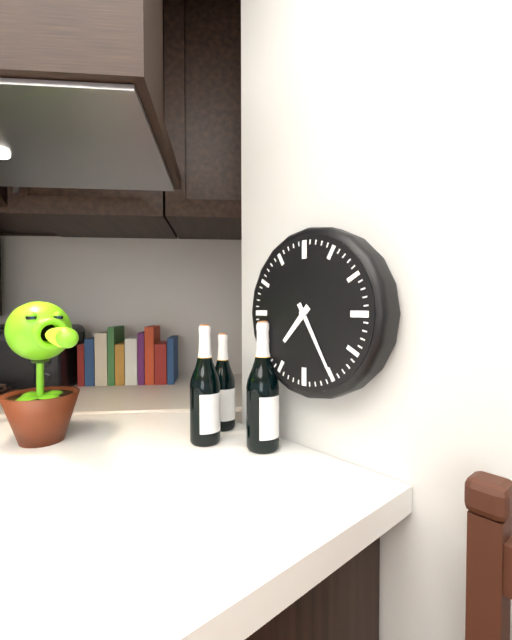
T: 7 h 25 min
